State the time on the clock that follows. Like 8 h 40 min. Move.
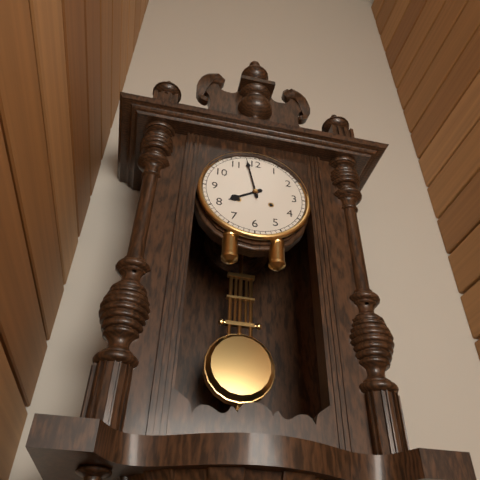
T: 7 h 58 min
